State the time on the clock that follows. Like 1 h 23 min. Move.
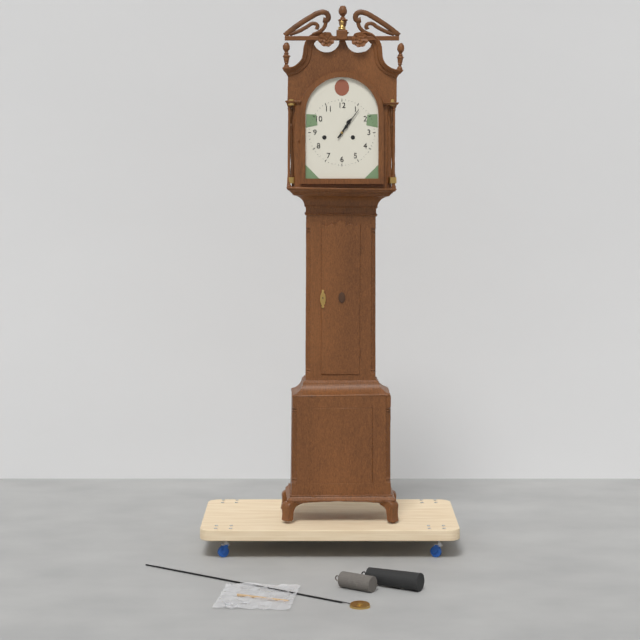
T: 1 h 06 min
